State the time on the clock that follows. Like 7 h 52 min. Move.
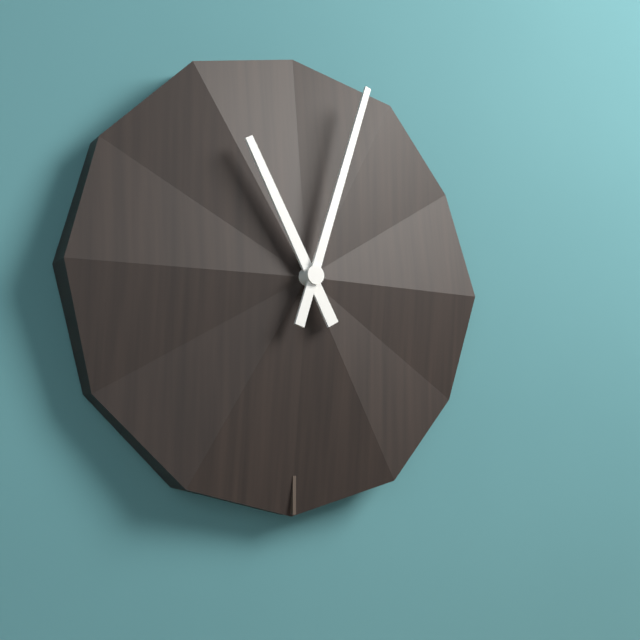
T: 11 h 03 min
